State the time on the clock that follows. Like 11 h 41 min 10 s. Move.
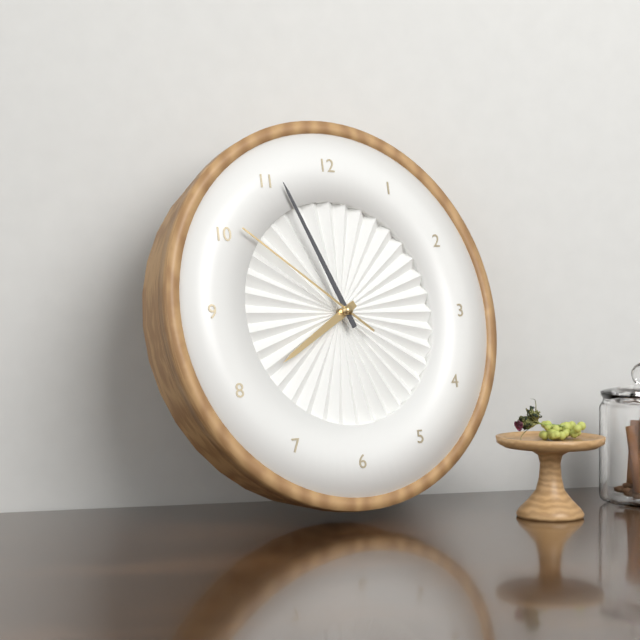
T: 7 h 56 min 51 s
